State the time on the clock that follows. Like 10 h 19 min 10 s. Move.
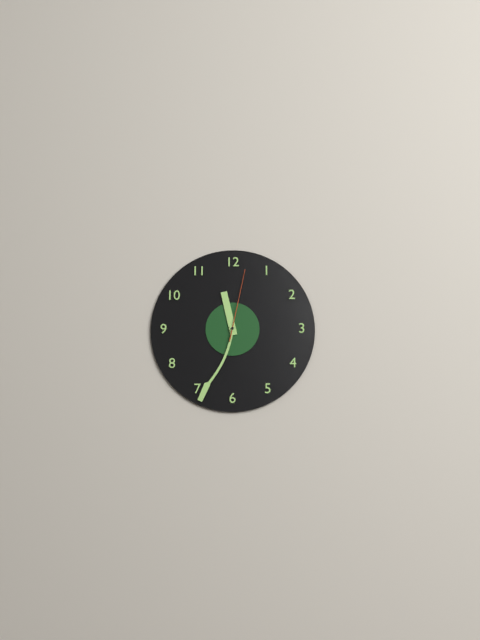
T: 11 h 34 min 02 s
